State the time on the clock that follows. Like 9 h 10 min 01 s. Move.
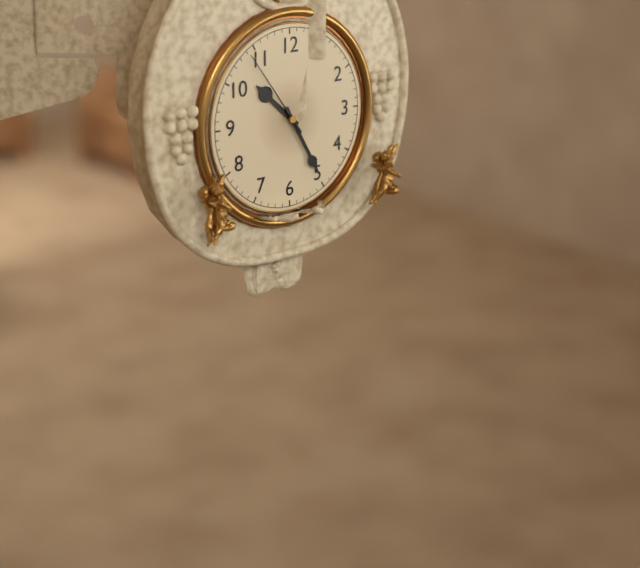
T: 10 h 25 min 54 s
